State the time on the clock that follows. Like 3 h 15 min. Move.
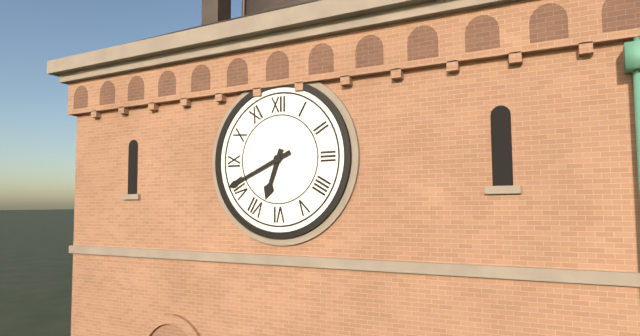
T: 6 h 41 min
